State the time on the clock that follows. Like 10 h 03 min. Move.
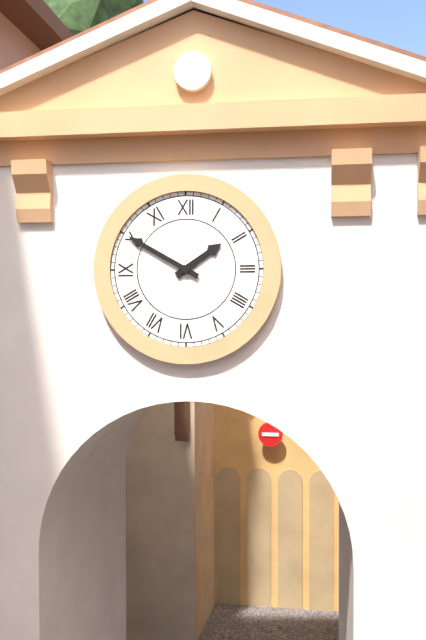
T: 1 h 50 min
